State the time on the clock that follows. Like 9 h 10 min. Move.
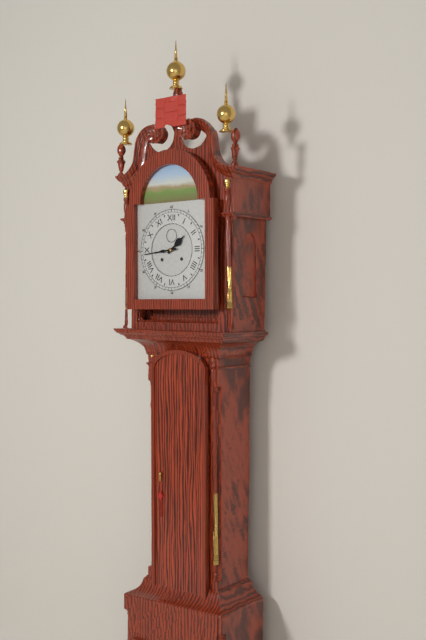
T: 1 h 44 min
